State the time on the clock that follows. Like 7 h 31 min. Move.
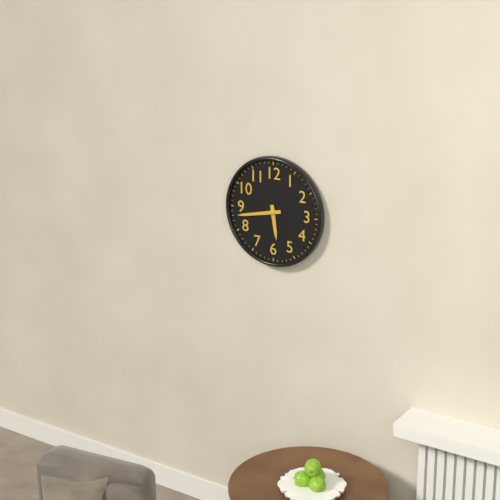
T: 5 h 43 min
